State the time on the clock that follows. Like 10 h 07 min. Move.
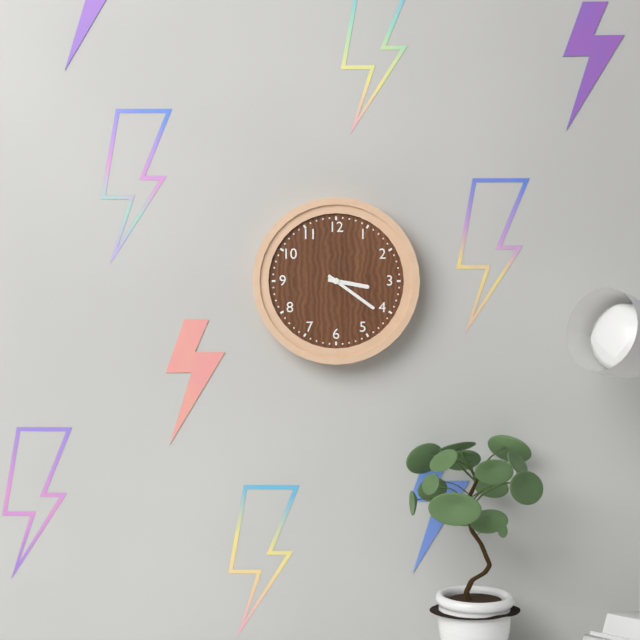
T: 3 h 21 min
